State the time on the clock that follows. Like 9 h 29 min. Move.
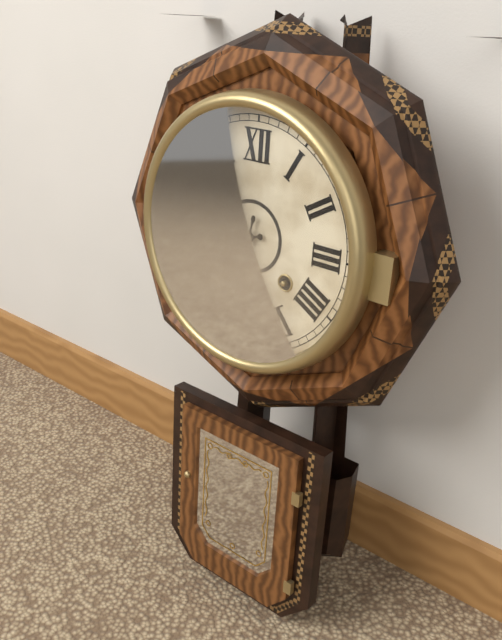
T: 8 h 32 min
